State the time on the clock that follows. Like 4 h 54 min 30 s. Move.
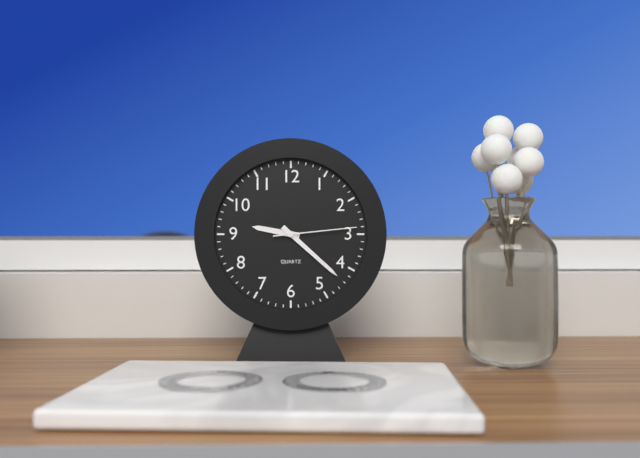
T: 9 h 22 min 14 s
